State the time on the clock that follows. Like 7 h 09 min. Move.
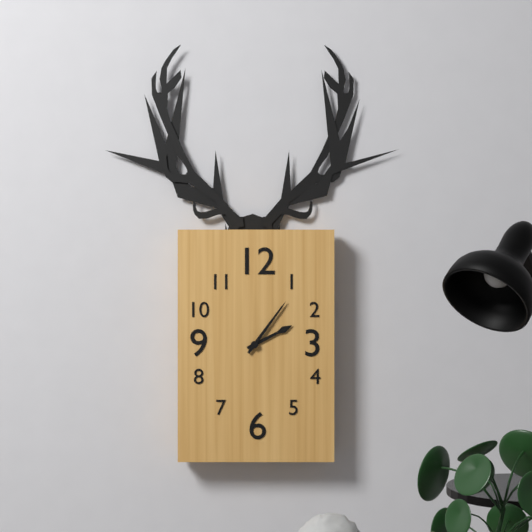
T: 2 h 06 min
